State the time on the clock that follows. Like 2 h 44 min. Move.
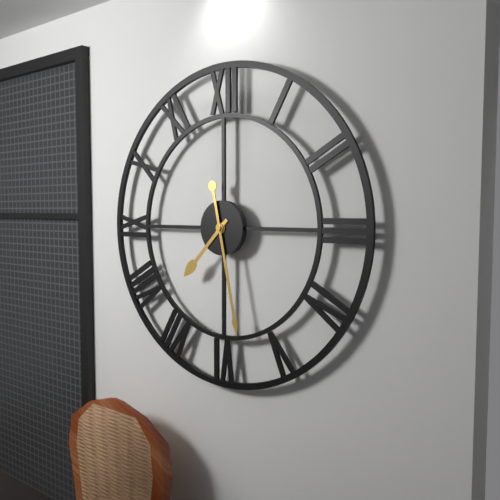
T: 7 h 28 min
